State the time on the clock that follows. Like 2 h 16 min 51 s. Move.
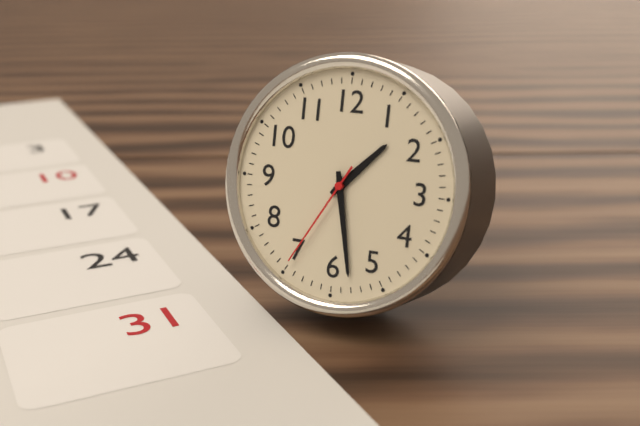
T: 1 h 28 min 35 s
